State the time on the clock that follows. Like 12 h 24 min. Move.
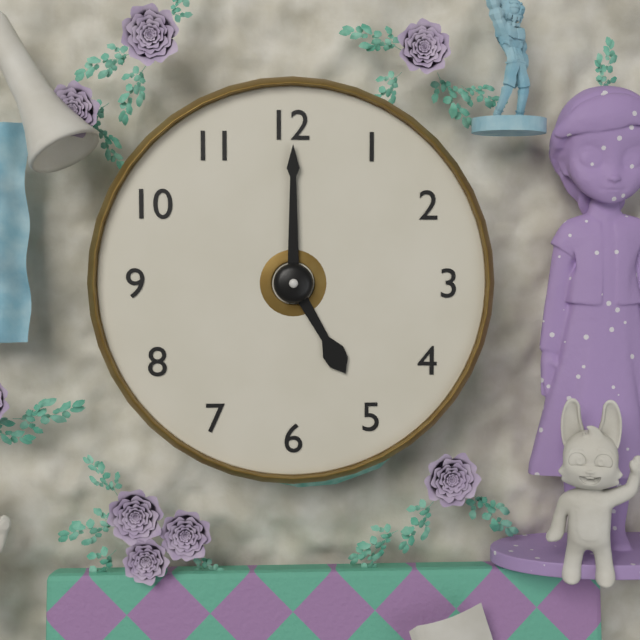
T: 5 h 00 min
